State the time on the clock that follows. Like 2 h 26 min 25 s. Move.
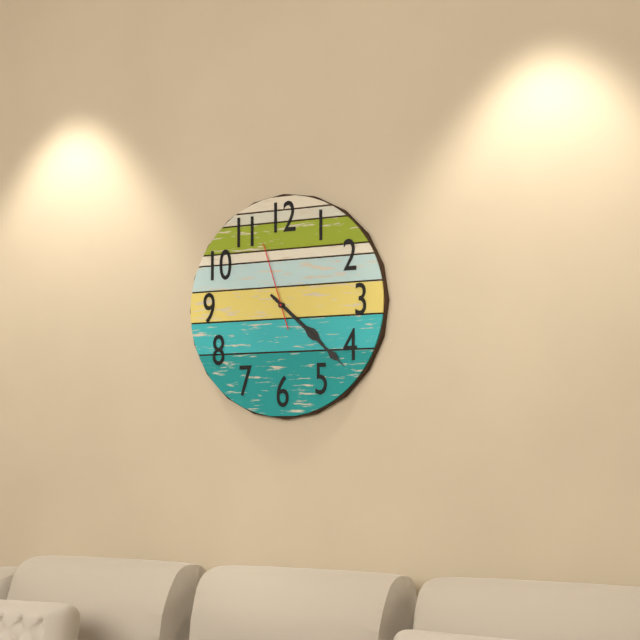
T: 4 h 22 min 57 s
